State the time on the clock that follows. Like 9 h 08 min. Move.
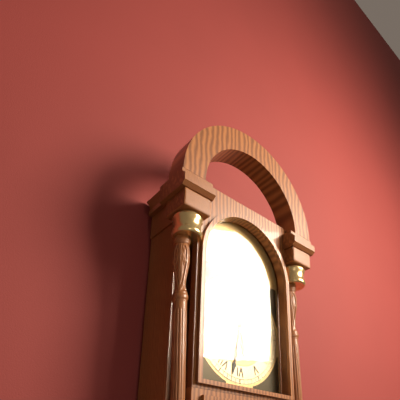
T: 5 h 32 min
